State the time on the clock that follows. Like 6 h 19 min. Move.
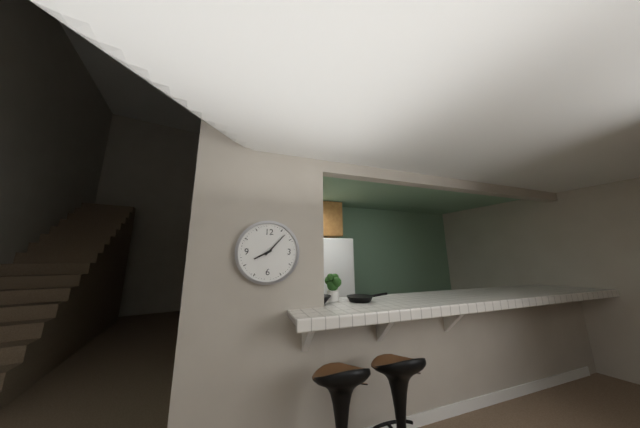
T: 8 h 07 min
